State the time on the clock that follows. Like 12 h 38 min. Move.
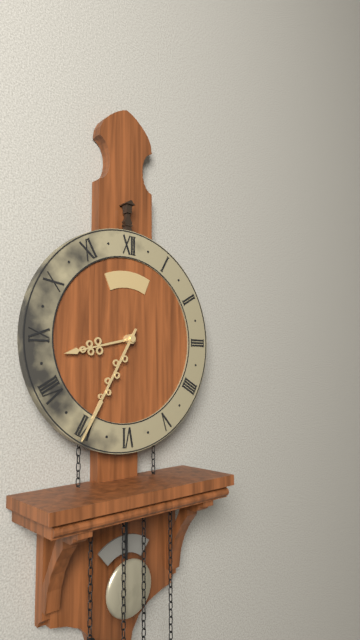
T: 8 h 35 min
